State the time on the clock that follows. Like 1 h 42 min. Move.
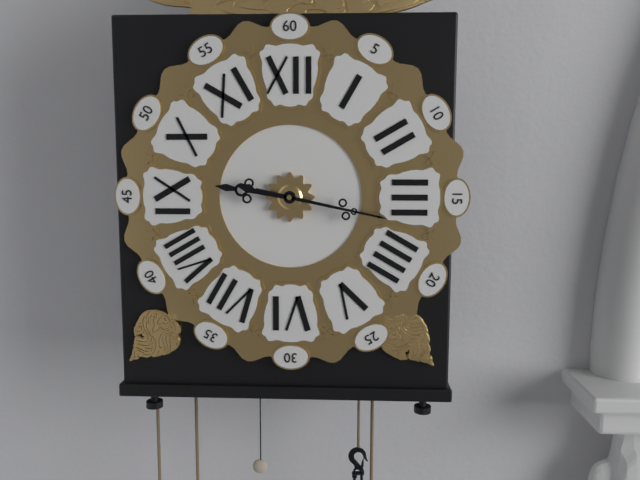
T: 9 h 17 min
